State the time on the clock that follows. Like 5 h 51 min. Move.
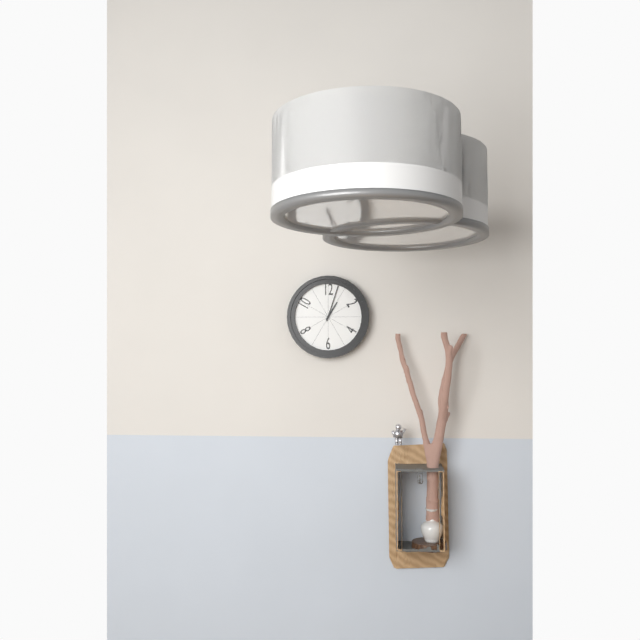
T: 1 h 03 min
